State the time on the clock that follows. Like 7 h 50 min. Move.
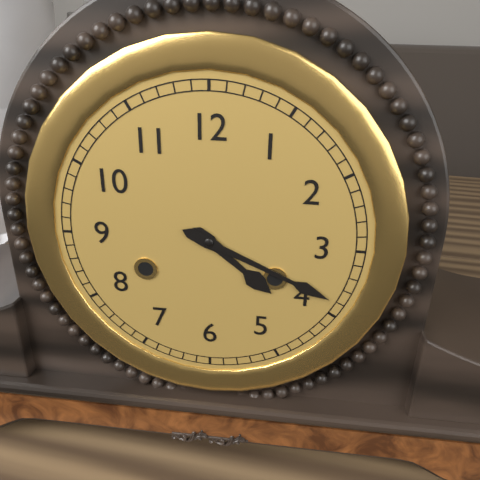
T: 4 h 19 min
